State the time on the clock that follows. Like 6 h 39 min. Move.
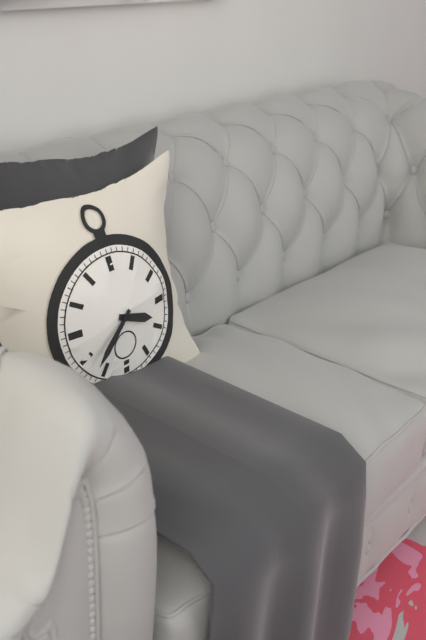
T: 3 h 38 min
